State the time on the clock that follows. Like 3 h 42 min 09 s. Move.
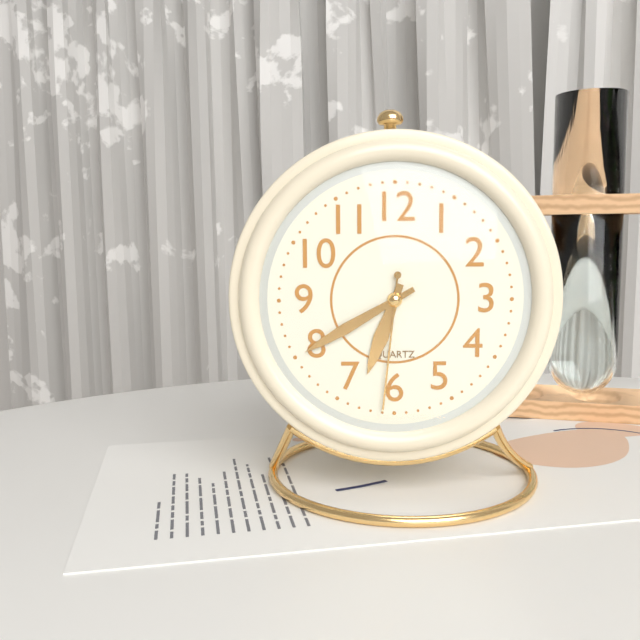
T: 6 h 40 min 31 s
